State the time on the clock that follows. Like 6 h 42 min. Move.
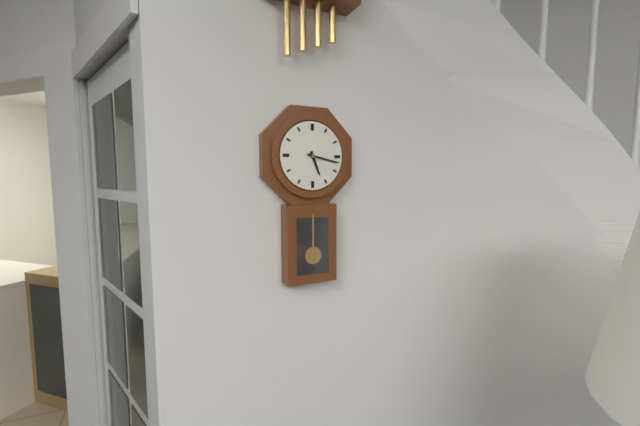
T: 5 h 17 min
